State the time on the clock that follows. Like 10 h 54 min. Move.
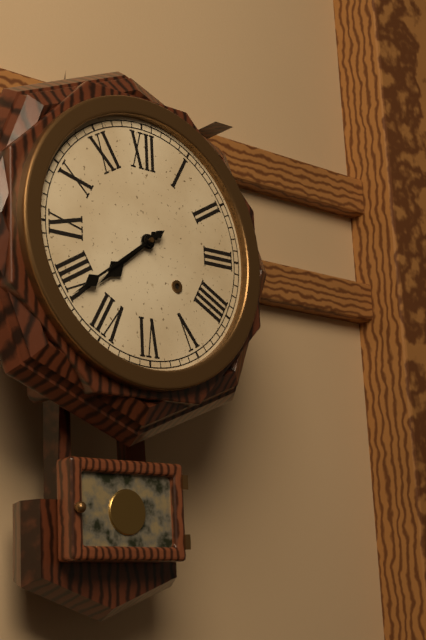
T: 7 h 39 min
